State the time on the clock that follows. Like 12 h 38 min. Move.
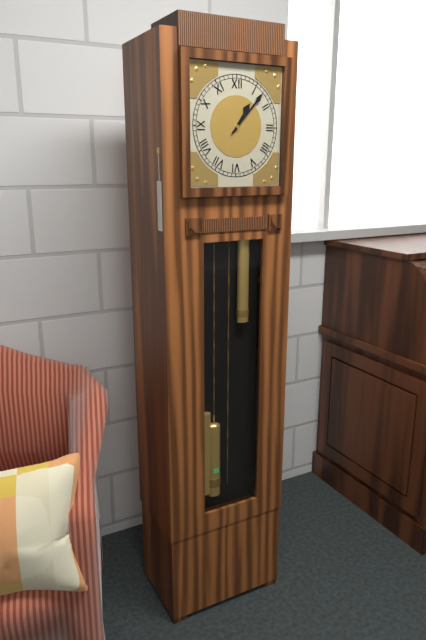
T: 1 h 07 min
